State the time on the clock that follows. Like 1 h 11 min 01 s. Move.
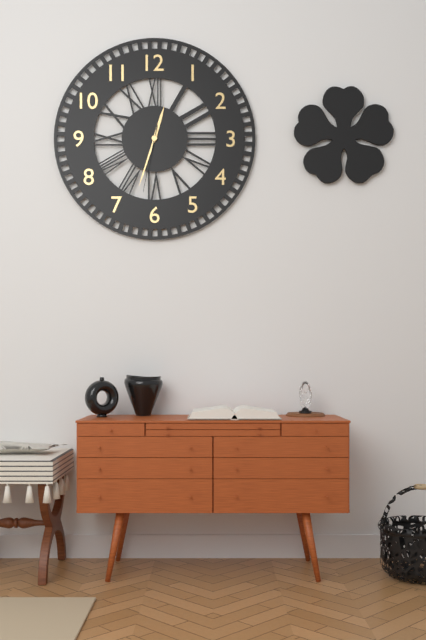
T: 12 h 33 min 32 s
